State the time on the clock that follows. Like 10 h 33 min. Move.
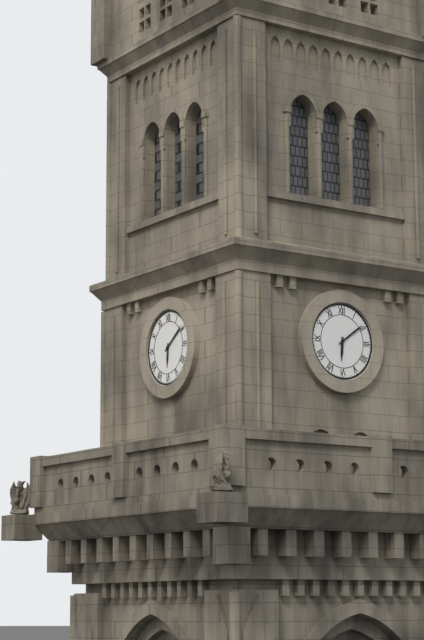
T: 6 h 09 min
